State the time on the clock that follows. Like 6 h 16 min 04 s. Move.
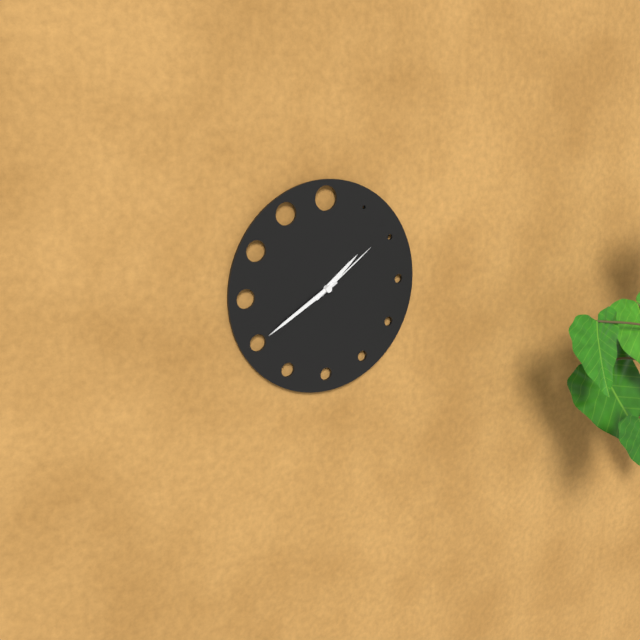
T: 1 h 40 min 09 s
